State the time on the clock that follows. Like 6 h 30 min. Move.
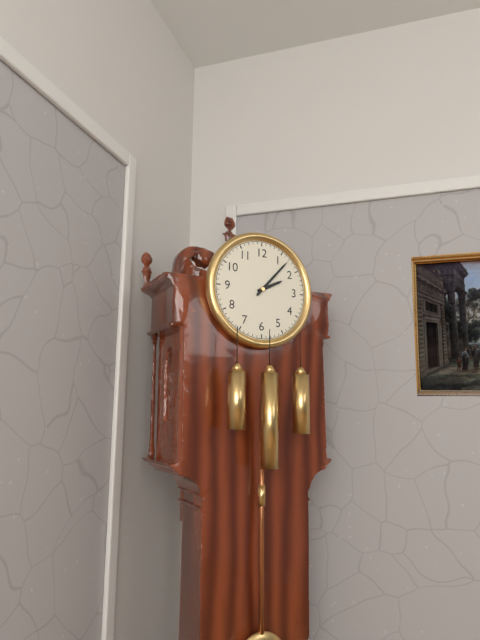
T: 2 h 07 min
